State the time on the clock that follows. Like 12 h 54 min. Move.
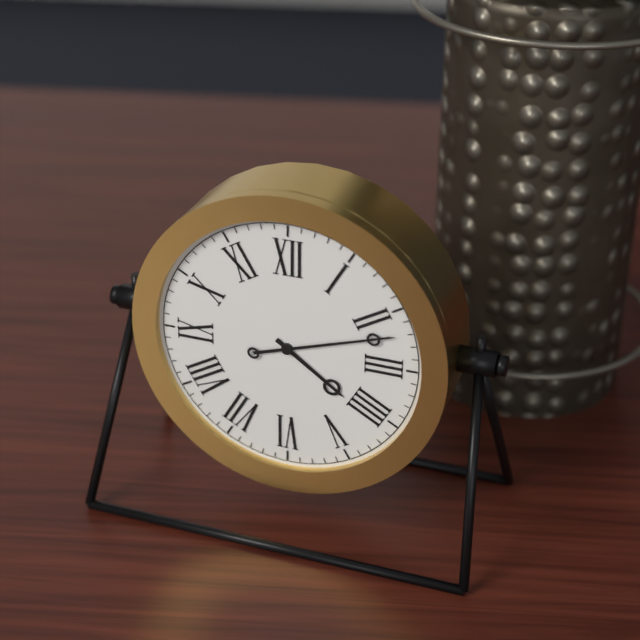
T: 4 h 12 min
